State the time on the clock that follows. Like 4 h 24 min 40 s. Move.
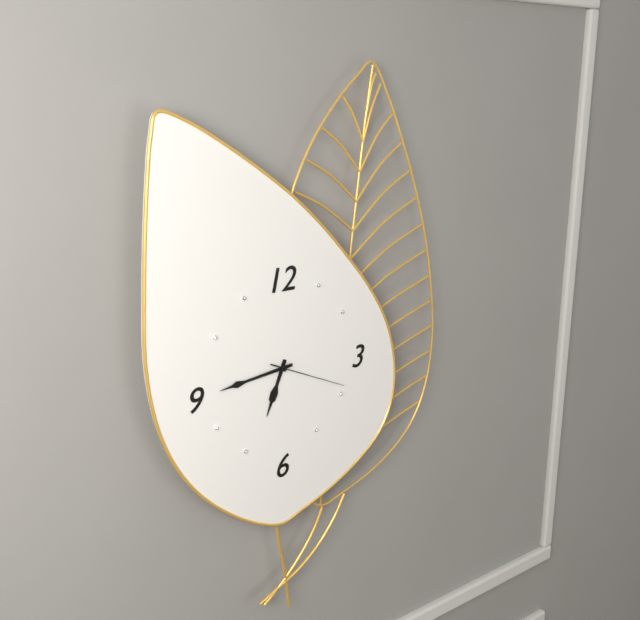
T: 6 h 44 min 19 s
